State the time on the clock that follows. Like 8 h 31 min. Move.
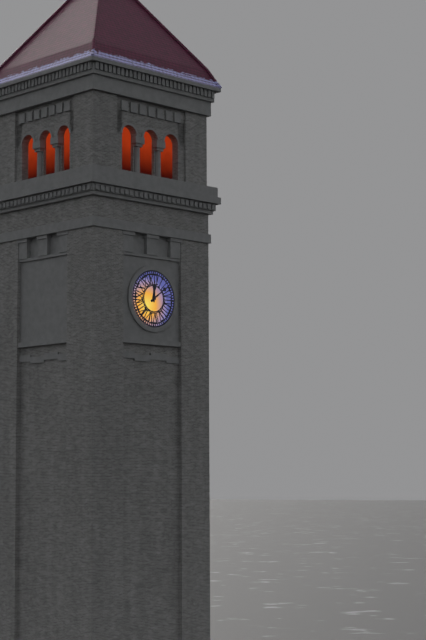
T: 12 h 09 min
